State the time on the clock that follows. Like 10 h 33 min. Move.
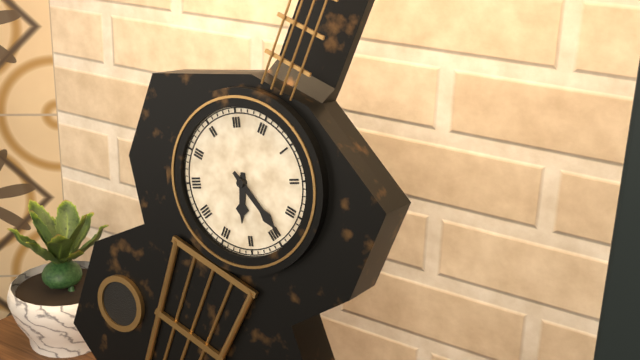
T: 5 h 19 min
